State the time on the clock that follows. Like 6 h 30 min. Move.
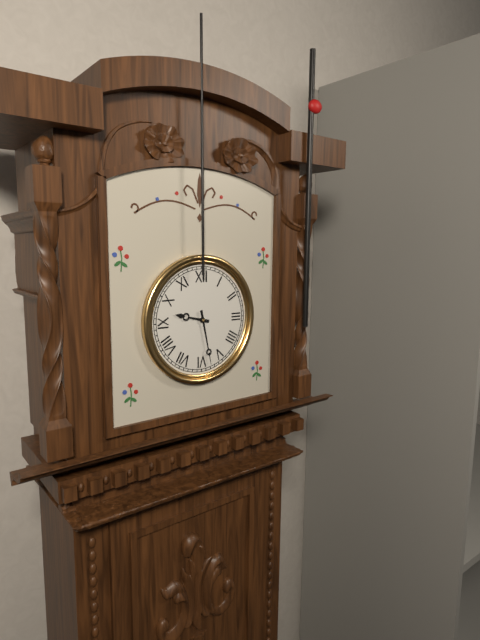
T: 9 h 28 min
